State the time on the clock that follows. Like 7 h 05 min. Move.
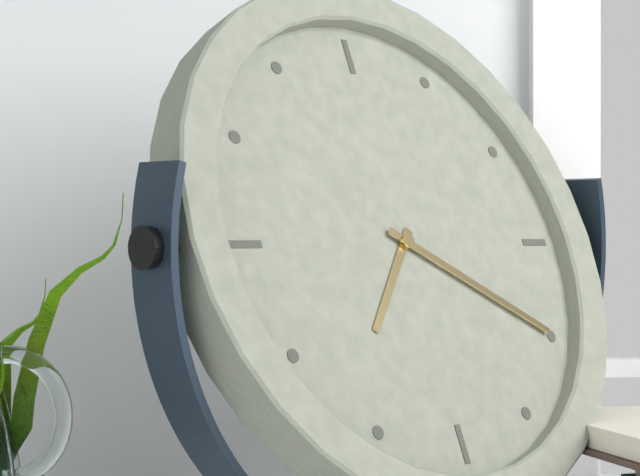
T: 7 h 20 min
